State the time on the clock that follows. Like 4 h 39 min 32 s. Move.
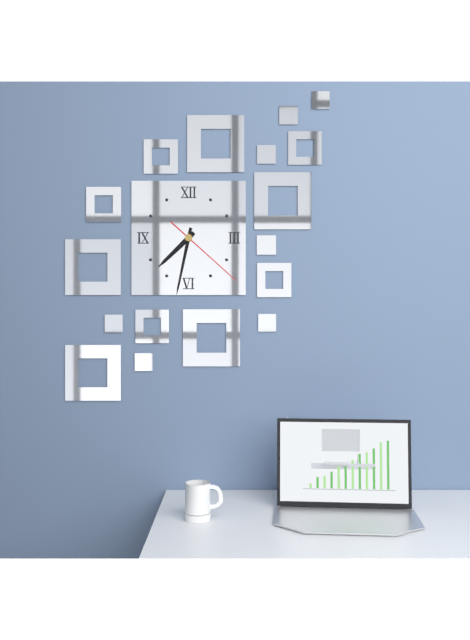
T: 7 h 32 min 22 s
